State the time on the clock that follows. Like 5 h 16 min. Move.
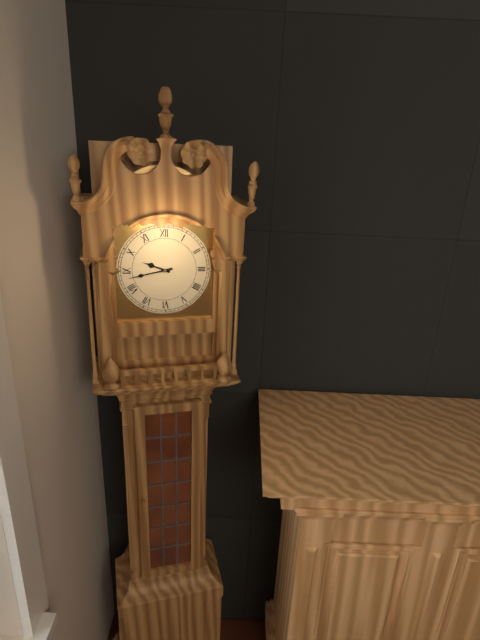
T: 9 h 43 min
